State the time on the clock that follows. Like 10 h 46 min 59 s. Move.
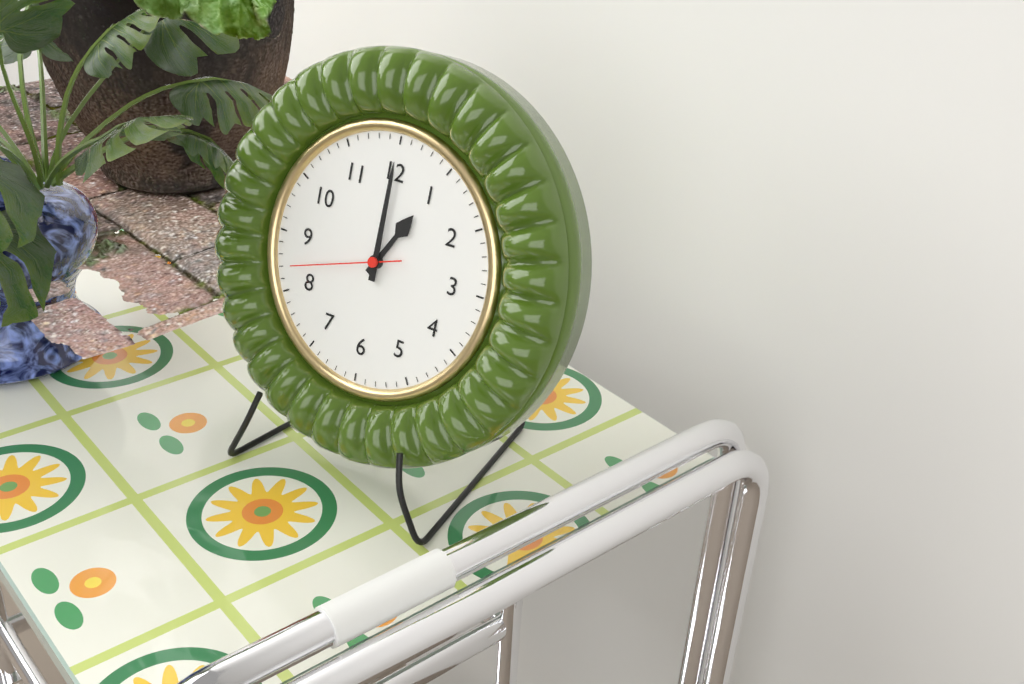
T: 1 h 00 min 42 s
